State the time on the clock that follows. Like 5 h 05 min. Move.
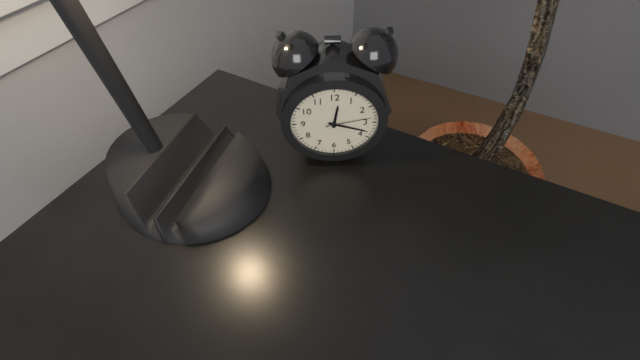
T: 12 h 18 min
